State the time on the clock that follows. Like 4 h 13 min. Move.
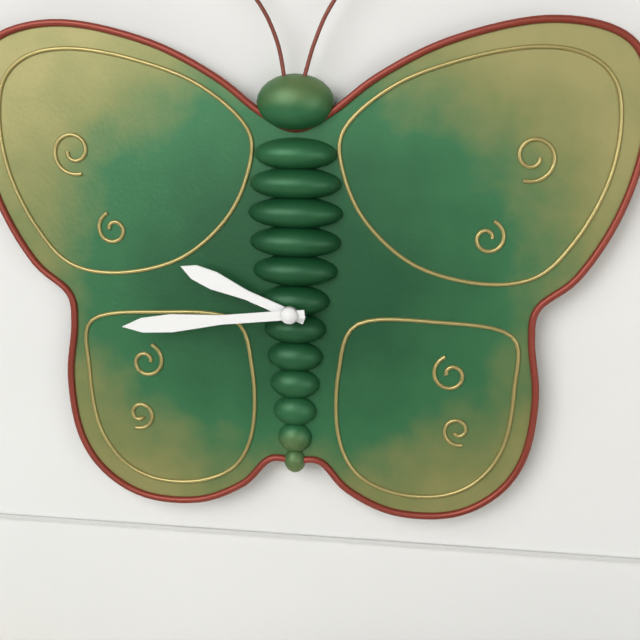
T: 9 h 44 min
